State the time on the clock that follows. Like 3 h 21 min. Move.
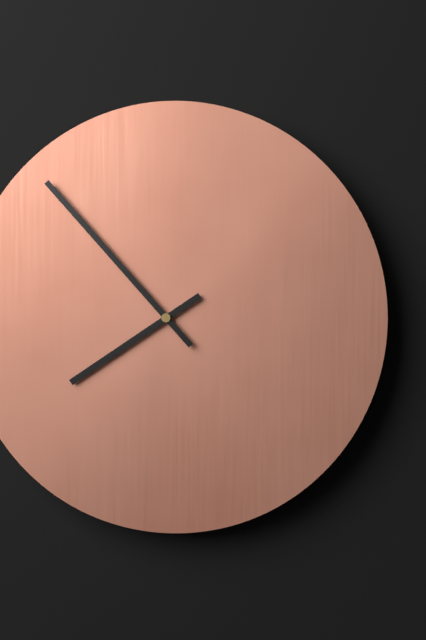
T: 7 h 53 min
